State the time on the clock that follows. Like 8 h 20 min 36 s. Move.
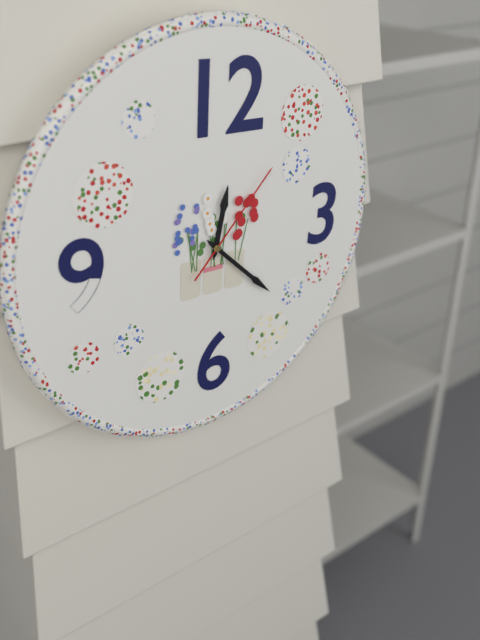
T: 12 h 22 min 07 s
